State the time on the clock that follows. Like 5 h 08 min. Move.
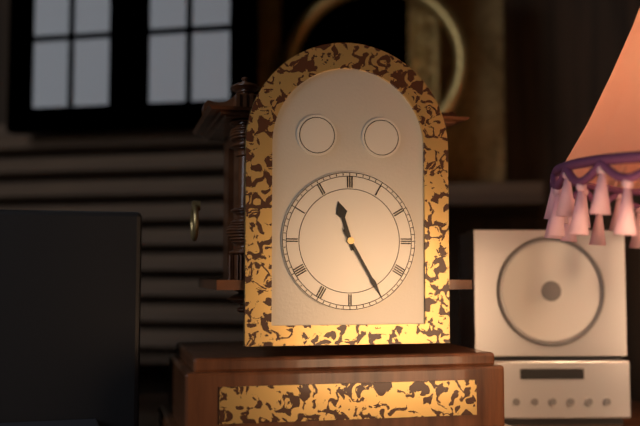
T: 11 h 25 min
